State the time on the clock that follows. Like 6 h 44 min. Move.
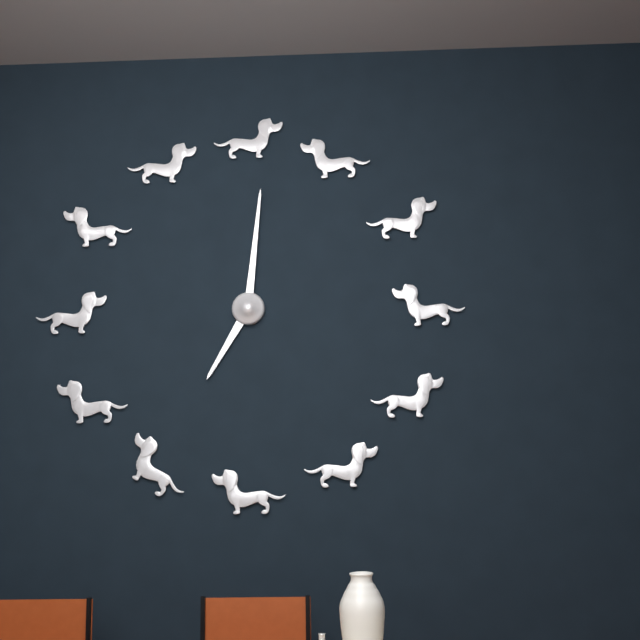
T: 7 h 01 min
